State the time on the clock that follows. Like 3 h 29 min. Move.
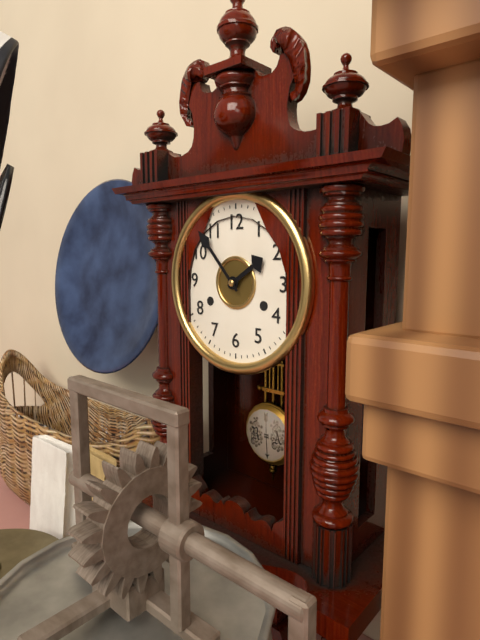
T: 1 h 53 min
